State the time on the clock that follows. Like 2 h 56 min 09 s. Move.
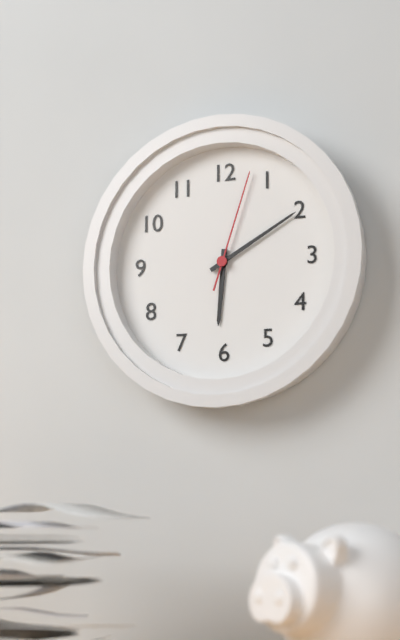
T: 6 h 10 min 03 s
